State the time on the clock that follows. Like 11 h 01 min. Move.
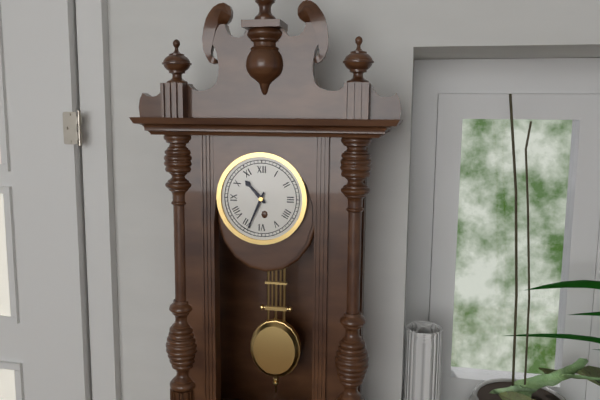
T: 10 h 34 min
